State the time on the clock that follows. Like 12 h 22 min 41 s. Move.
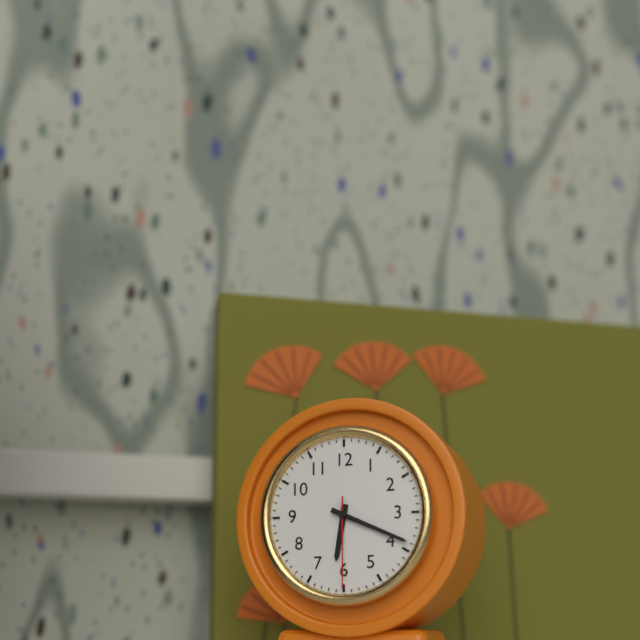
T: 6 h 19 min 30 s
